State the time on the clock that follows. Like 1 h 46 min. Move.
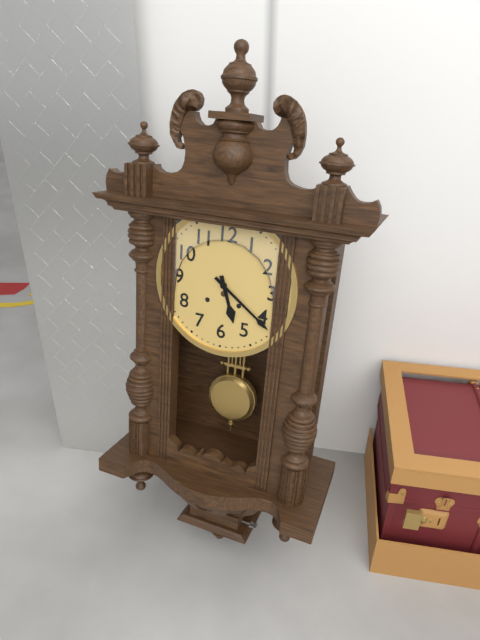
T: 5 h 21 min
